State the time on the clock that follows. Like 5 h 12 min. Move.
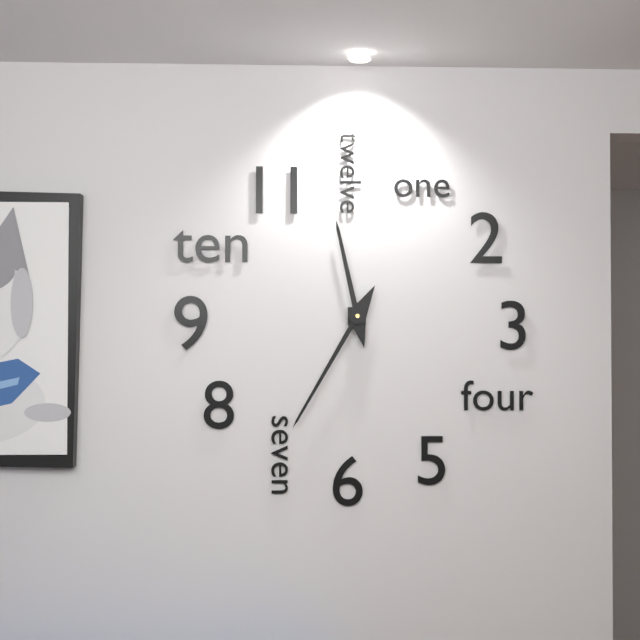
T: 11 h 35 min
